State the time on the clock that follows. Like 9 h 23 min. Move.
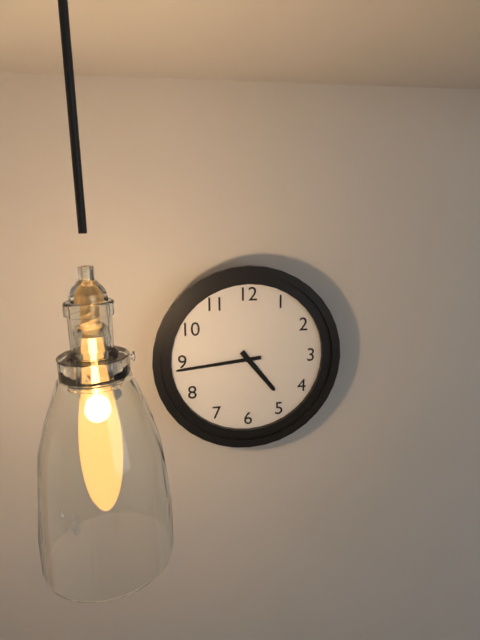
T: 4 h 44 min
